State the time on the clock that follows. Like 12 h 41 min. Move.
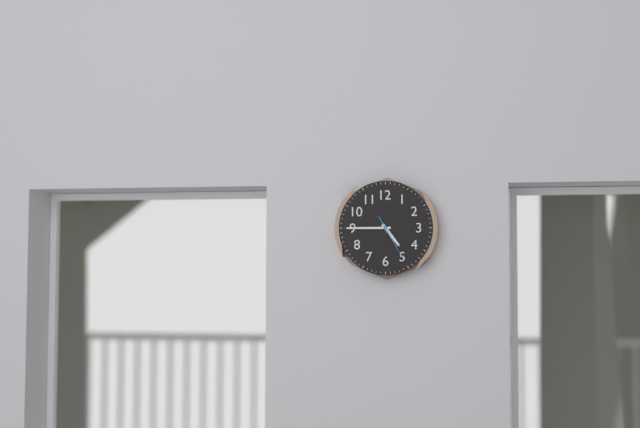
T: 4 h 45 min
